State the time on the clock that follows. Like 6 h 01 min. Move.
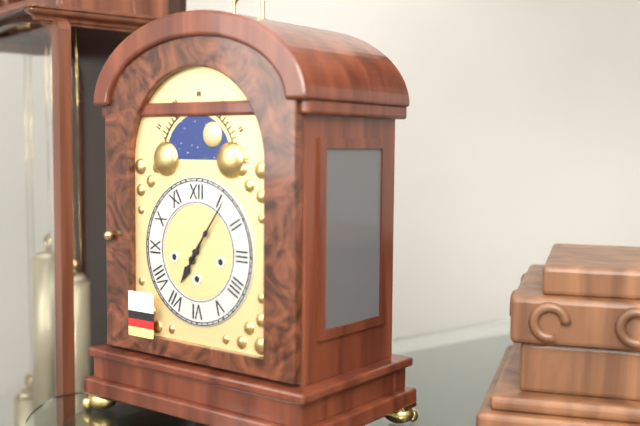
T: 7 h 06 min
